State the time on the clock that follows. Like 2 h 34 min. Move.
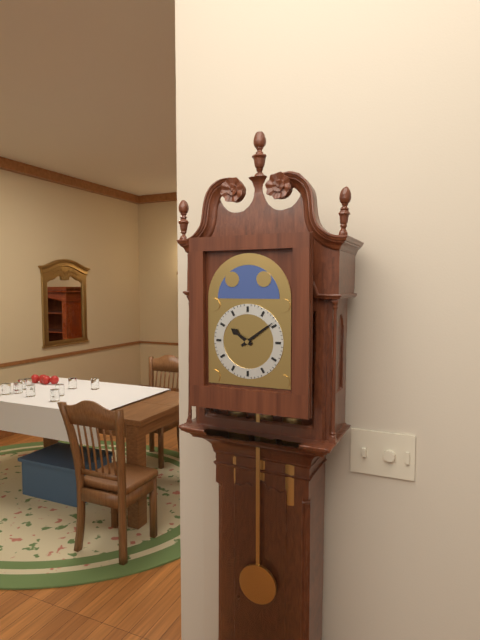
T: 10 h 09 min
